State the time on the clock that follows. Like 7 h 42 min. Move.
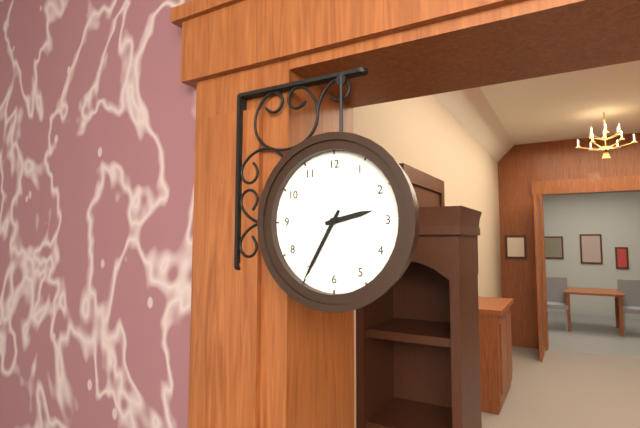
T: 2 h 35 min
